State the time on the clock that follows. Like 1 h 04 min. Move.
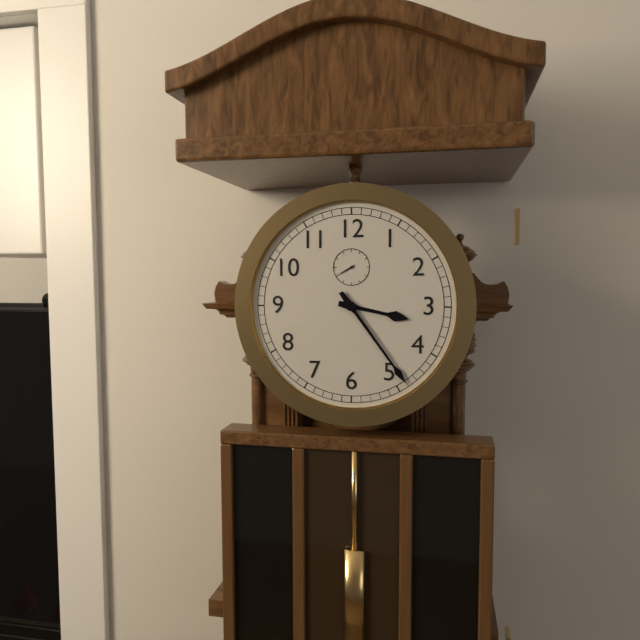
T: 3 h 24 min
